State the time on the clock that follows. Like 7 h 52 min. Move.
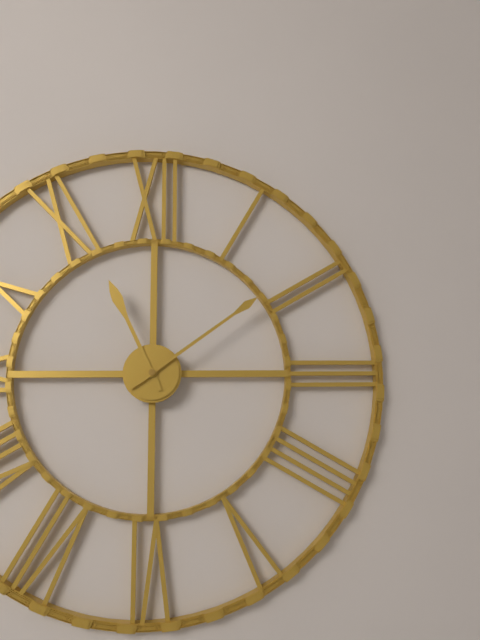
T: 11 h 09 min
